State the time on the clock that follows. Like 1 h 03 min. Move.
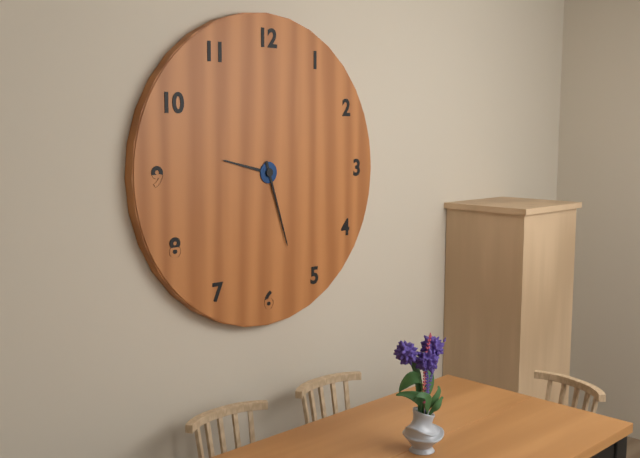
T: 9 h 27 min
